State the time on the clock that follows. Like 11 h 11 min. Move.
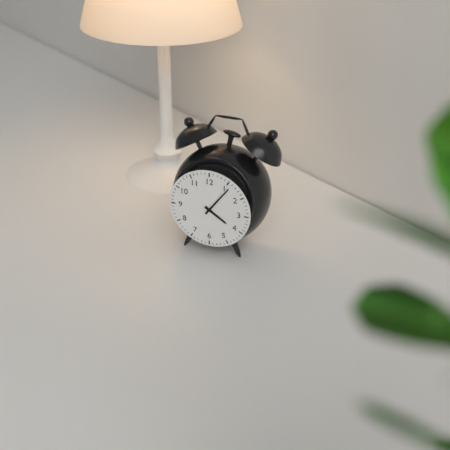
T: 4 h 06 min
